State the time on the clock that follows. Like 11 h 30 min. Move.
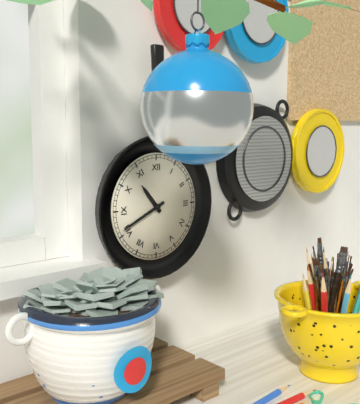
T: 10 h 41 min
